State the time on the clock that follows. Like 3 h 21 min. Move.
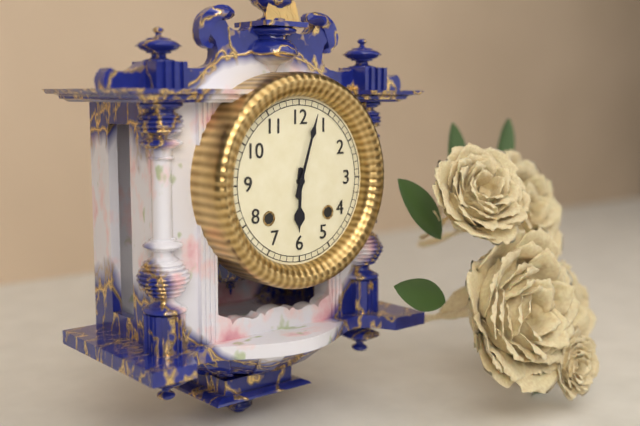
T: 6 h 03 min
